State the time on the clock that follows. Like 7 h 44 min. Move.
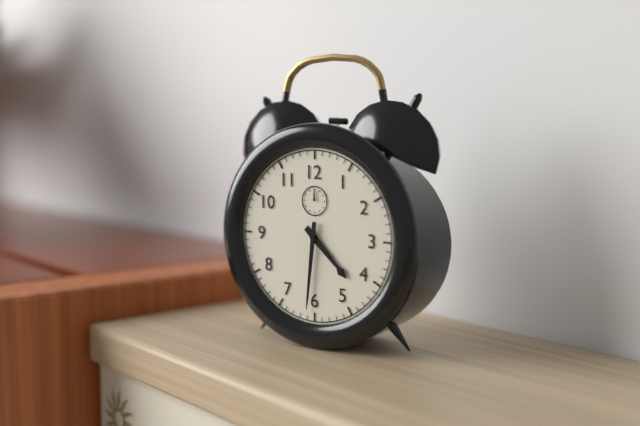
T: 4 h 31 min
